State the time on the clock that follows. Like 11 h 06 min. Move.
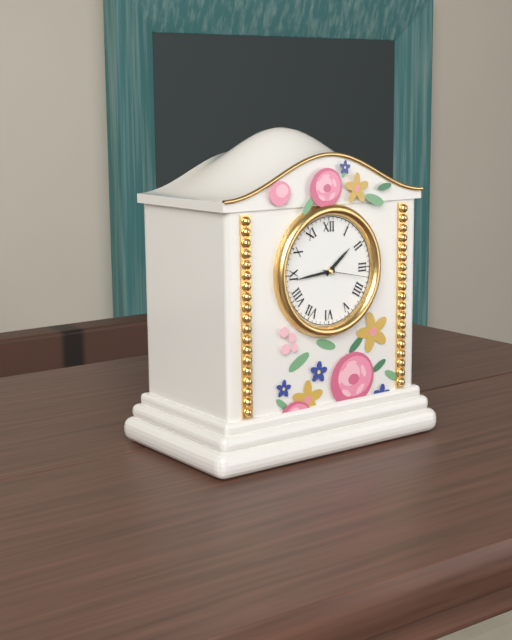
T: 1 h 44 min
